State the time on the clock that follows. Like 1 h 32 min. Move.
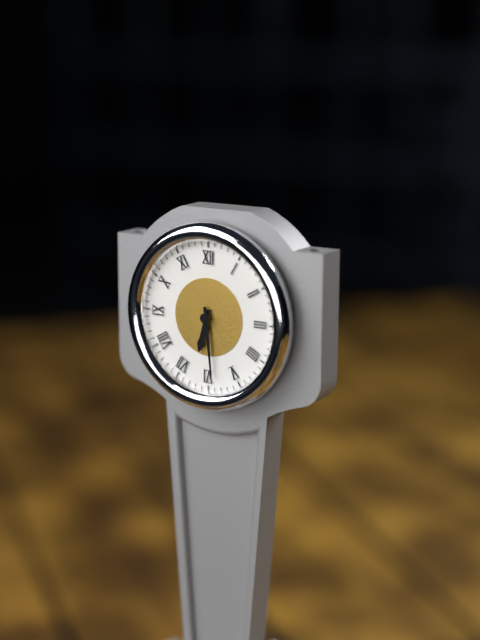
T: 6 h 29 min
